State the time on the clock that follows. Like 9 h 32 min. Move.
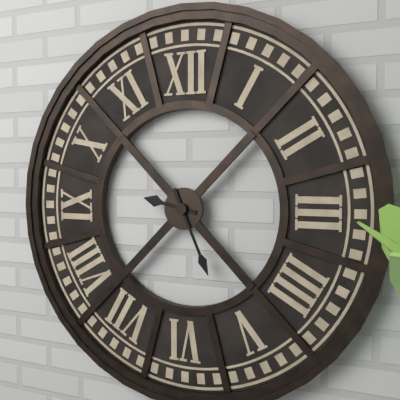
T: 9 h 26 min
